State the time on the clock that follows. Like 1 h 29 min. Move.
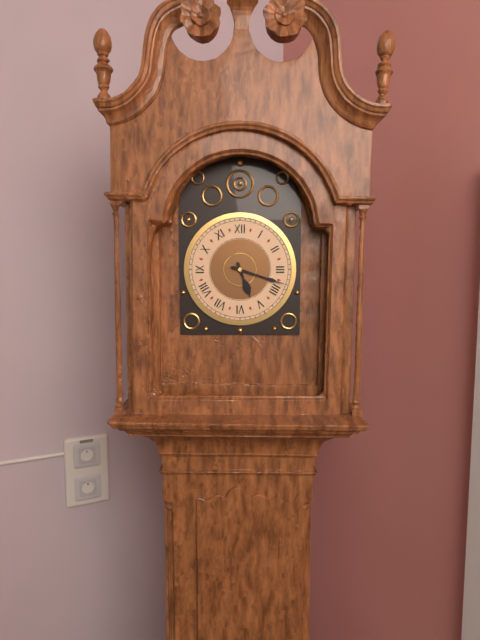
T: 5 h 18 min
